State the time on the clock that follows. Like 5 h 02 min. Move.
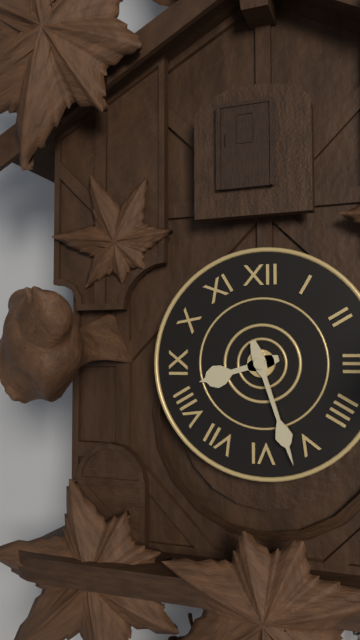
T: 8 h 27 min
